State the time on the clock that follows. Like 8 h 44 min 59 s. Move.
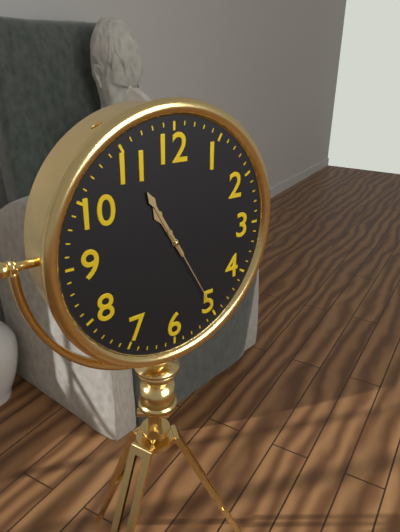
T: 10 h 55 min 25 s
